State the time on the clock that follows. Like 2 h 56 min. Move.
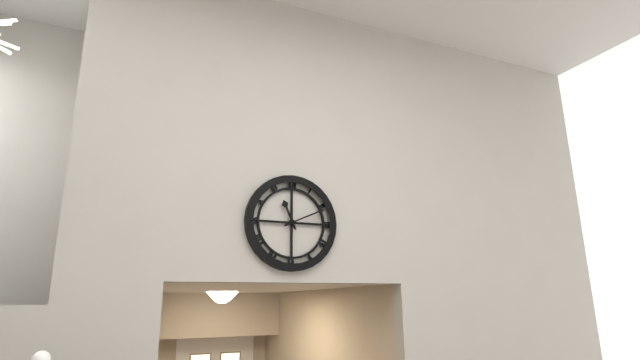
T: 11 h 11 min
